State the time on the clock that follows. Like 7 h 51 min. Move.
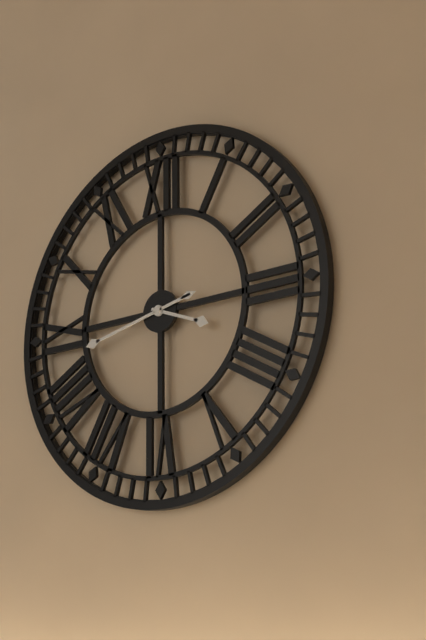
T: 3 h 43 min
